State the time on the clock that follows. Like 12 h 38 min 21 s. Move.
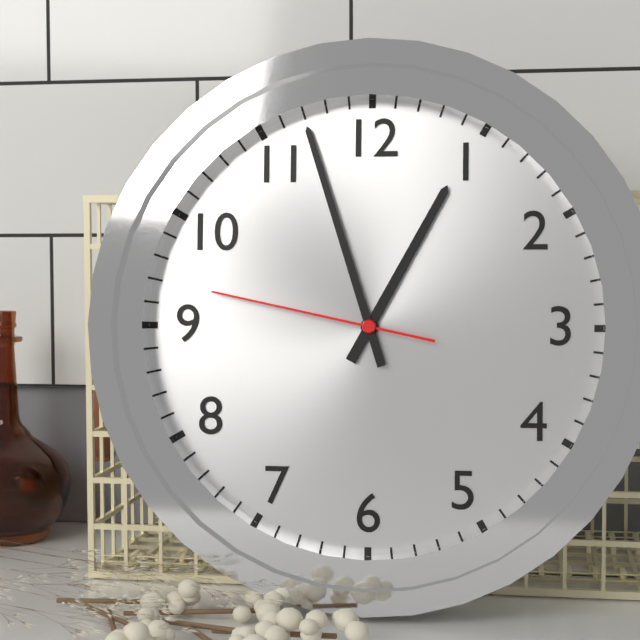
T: 12 h 57 min 47 s
